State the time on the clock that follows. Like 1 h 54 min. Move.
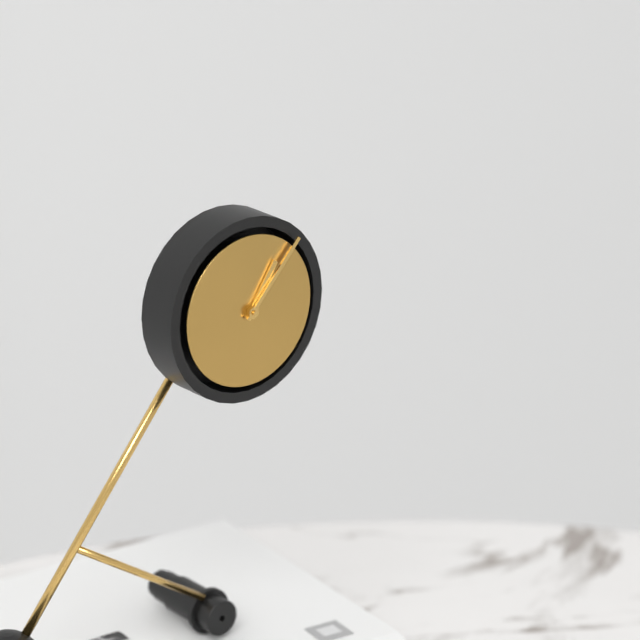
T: 1 h 07 min
